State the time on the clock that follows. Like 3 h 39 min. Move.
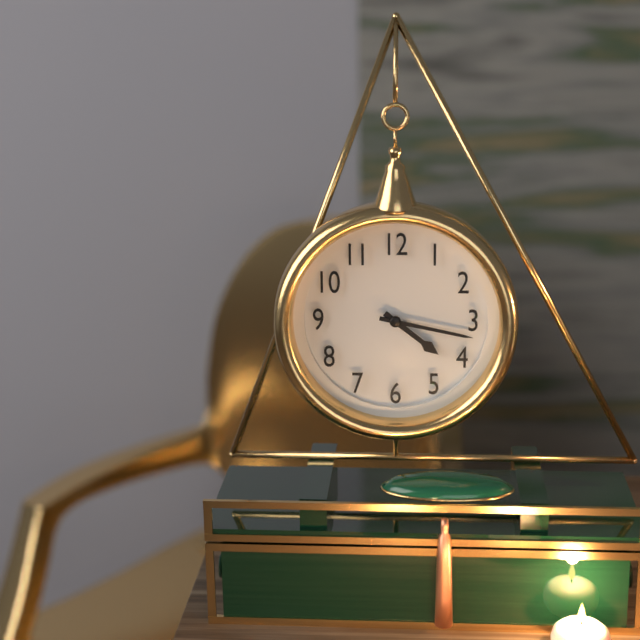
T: 4 h 17 min
